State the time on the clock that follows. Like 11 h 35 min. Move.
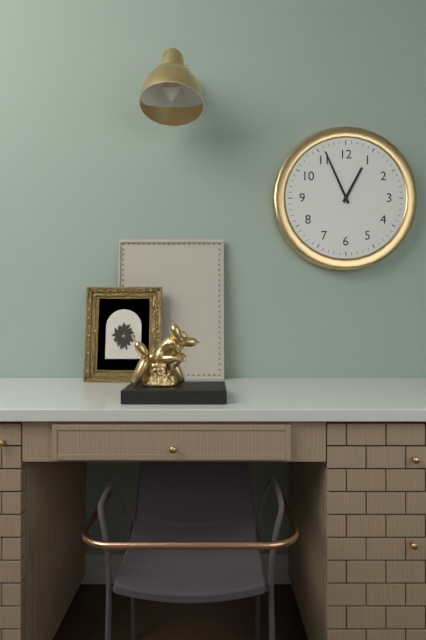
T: 12 h 56 min
